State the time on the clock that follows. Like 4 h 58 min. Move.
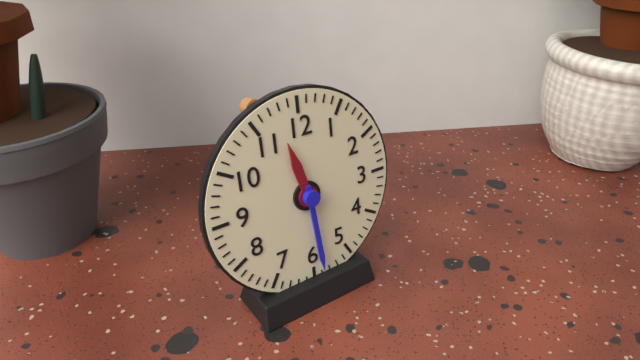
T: 11 h 29 min
